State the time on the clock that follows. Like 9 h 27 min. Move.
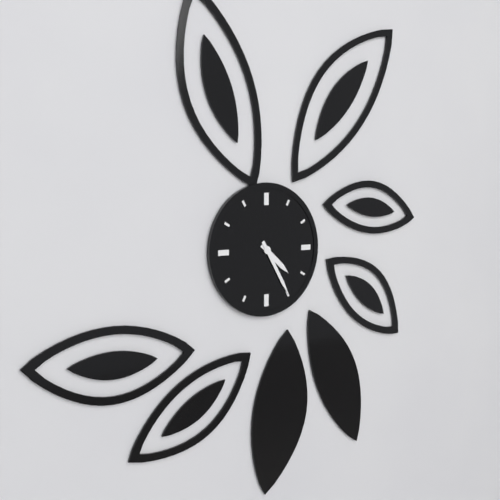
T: 4 h 25 min
